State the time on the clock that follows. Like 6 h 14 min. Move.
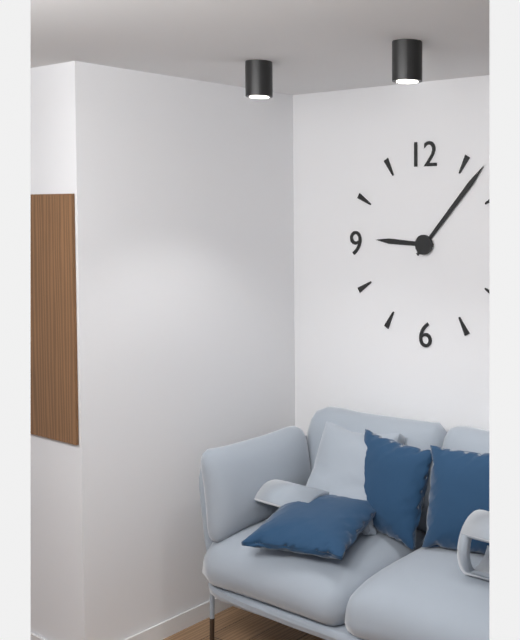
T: 9 h 07 min
